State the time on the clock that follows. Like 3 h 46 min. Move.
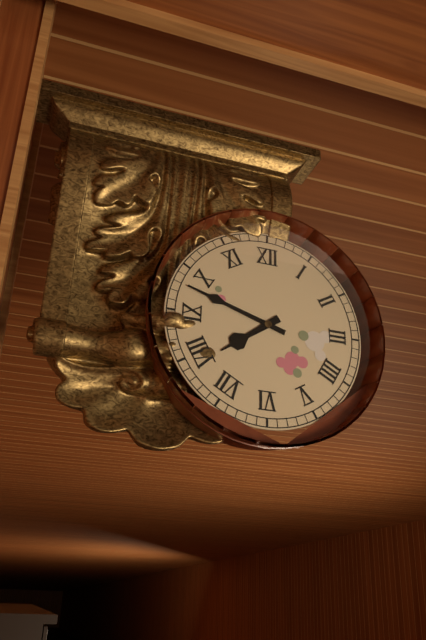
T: 7 h 48 min
